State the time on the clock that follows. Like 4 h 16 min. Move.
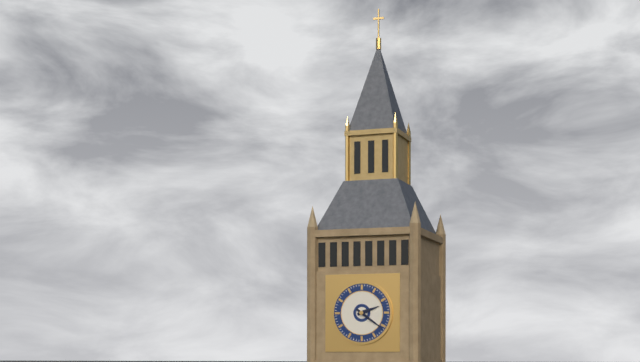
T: 2 h 21 min
